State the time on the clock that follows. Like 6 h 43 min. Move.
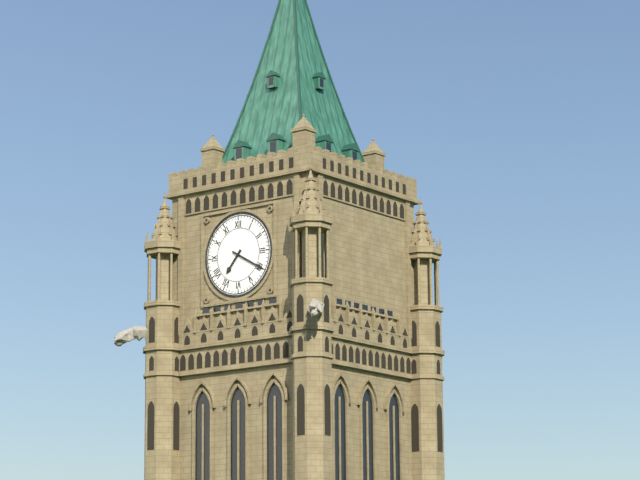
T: 7 h 20 min
